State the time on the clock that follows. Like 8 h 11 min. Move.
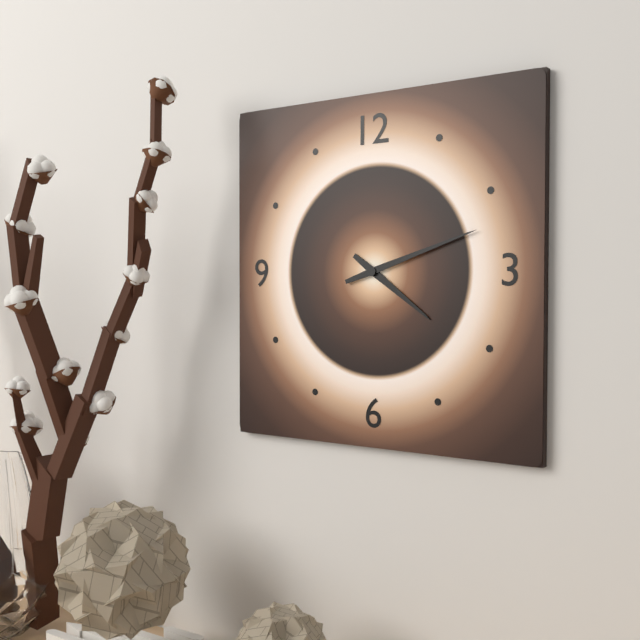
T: 4 h 12 min
